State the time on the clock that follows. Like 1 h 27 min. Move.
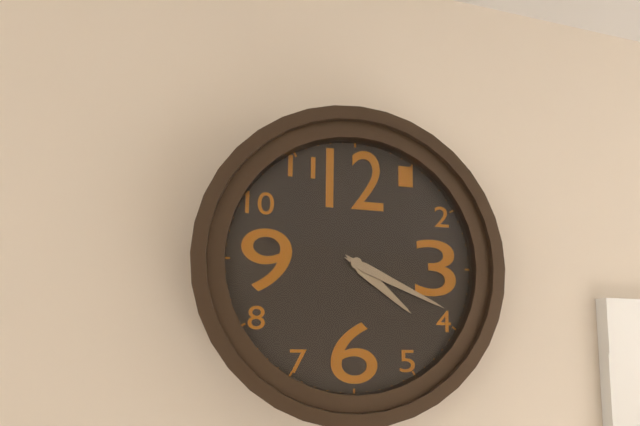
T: 4 h 19 min
